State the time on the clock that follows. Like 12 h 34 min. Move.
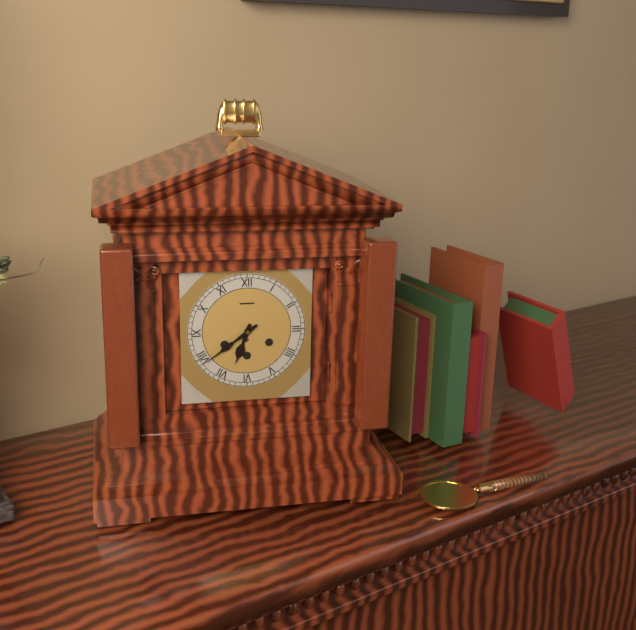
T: 6 h 39 min
